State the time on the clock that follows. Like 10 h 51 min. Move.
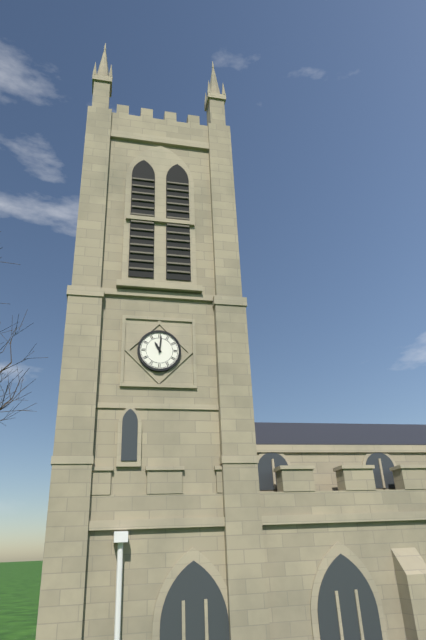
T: 11 h 01 min
